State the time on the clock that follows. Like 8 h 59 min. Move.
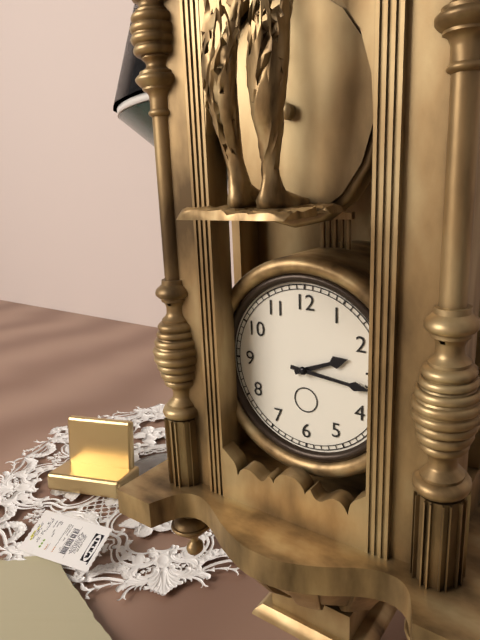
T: 2 h 16 min
